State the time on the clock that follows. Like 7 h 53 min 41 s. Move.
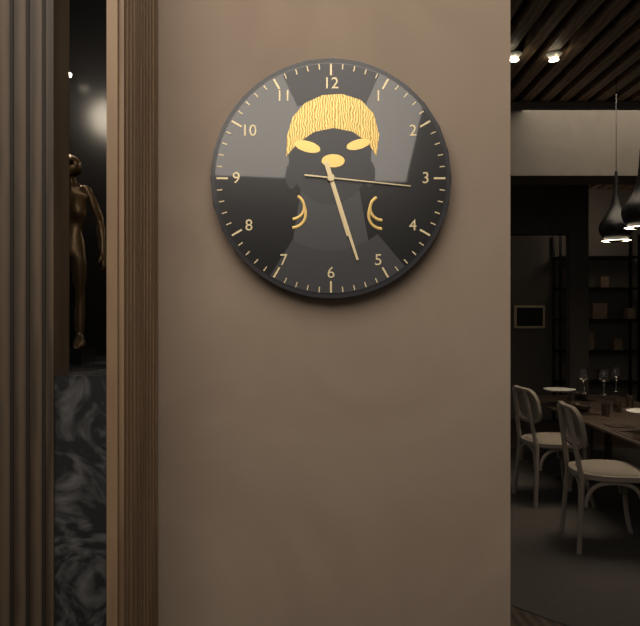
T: 5 h 27 min 16 s
